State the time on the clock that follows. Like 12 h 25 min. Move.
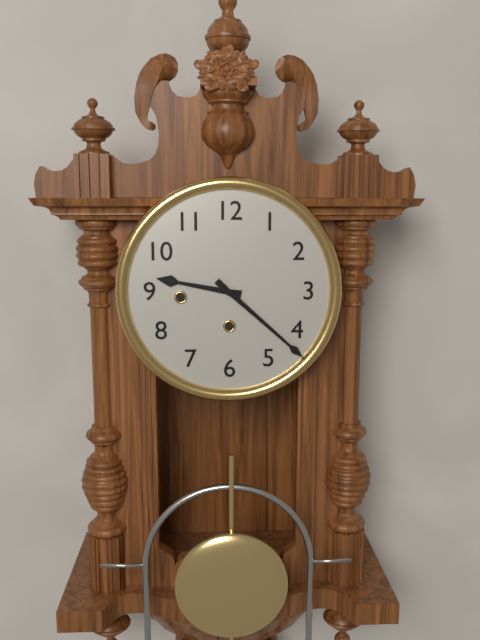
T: 9 h 22 min
